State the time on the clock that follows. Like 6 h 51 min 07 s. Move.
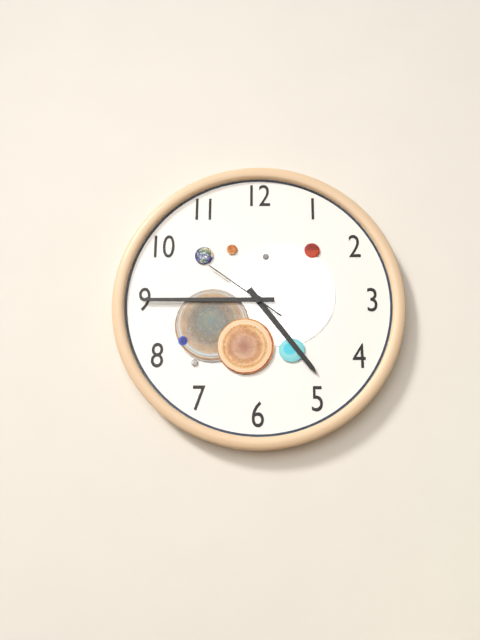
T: 4 h 45 min 51 s
